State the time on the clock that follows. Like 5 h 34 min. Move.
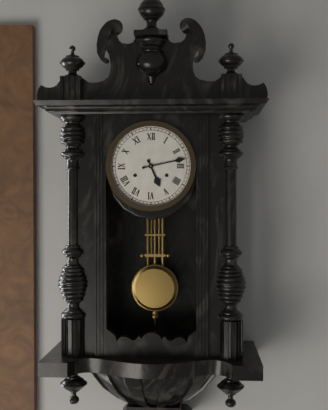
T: 5 h 13 min
